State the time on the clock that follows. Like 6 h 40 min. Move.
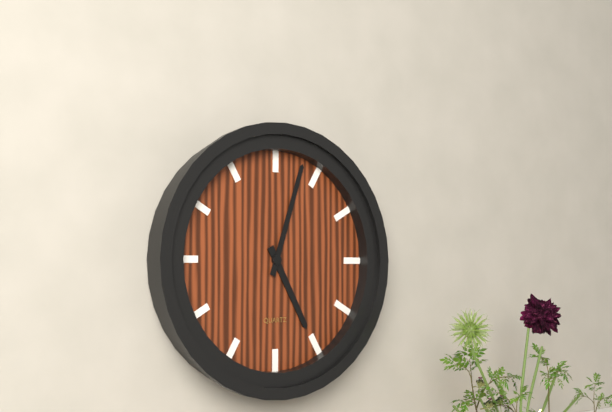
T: 5 h 03 min
